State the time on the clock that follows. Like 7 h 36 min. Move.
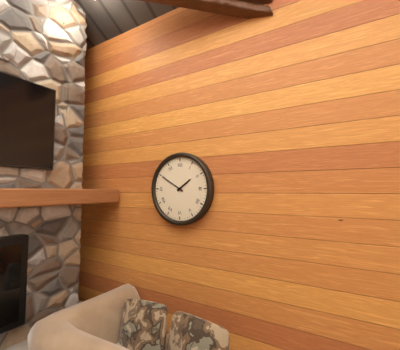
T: 1 h 50 min
